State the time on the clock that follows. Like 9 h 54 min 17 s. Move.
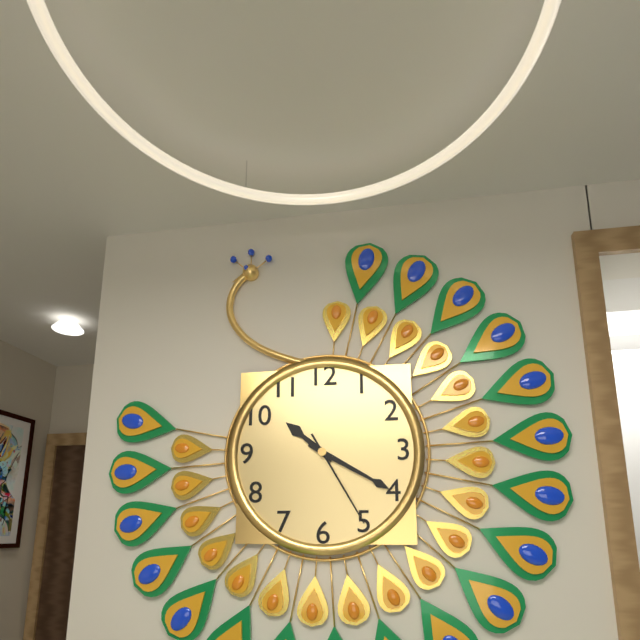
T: 10 h 20 min 25 s
